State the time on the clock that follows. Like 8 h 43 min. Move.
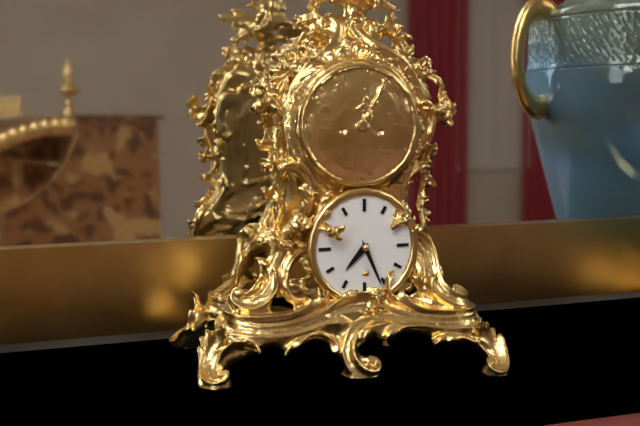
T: 7 h 26 min
